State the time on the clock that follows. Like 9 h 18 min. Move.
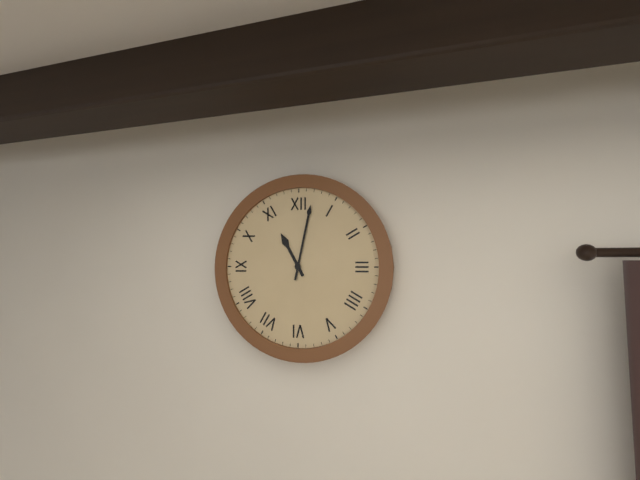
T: 11 h 02 min
